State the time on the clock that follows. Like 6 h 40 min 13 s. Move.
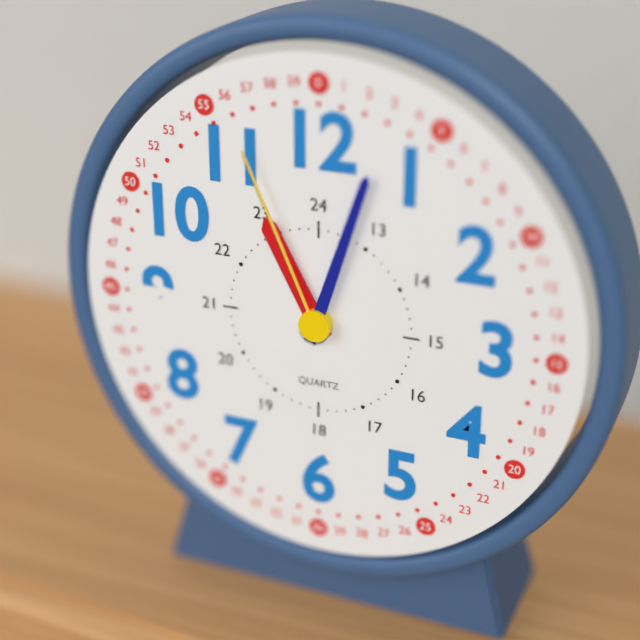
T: 11 h 03 min 56 s
